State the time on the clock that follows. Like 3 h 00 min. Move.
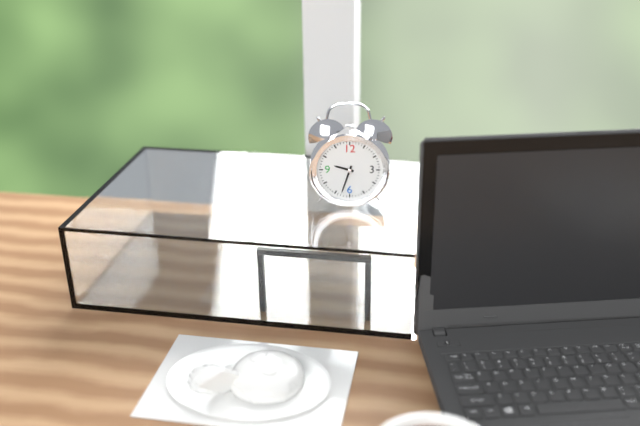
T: 9 h 33 min
